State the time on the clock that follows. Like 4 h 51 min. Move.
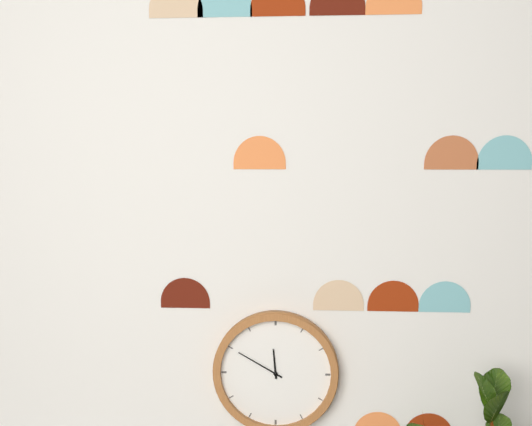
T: 11 h 50 min
